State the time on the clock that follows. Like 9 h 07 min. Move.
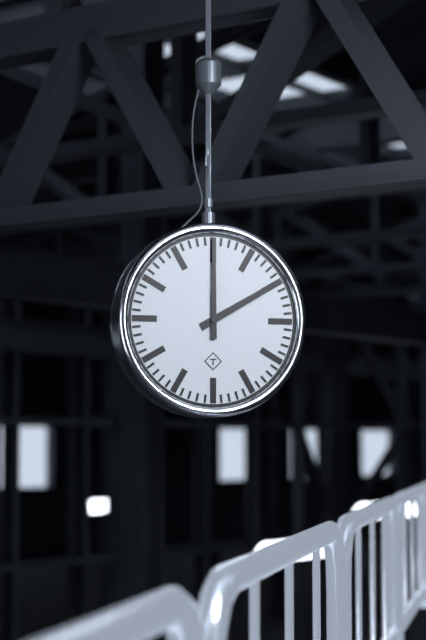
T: 2 h 00 min
